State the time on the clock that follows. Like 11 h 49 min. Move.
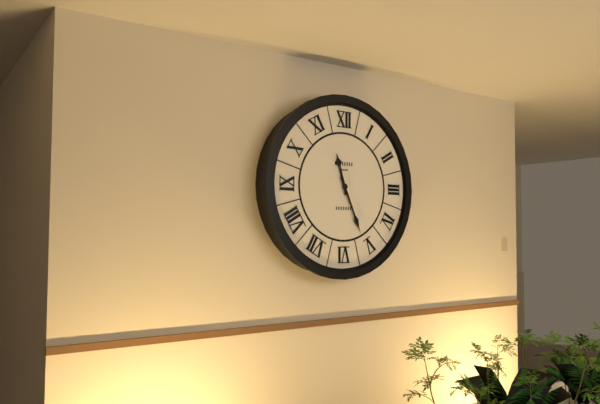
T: 11 h 26 min
